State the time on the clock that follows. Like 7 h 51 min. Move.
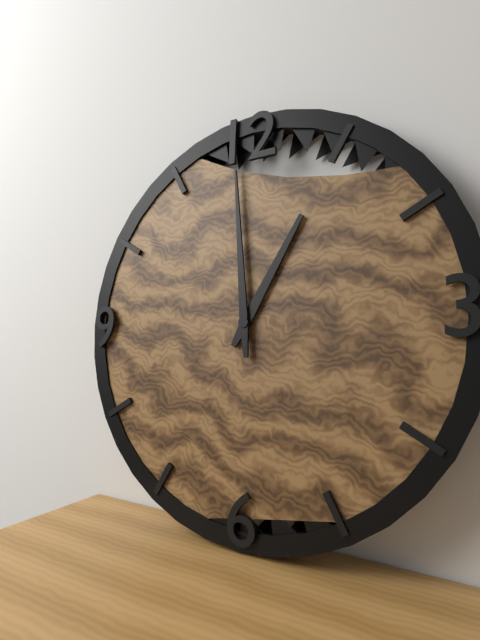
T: 12 h 59 min
